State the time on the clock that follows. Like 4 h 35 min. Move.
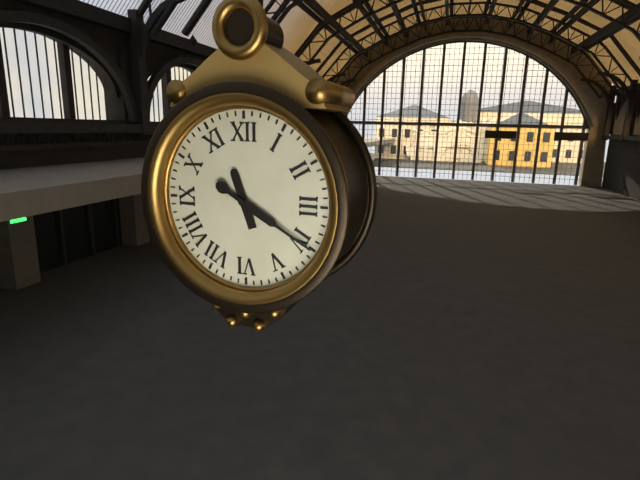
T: 11 h 20 min
